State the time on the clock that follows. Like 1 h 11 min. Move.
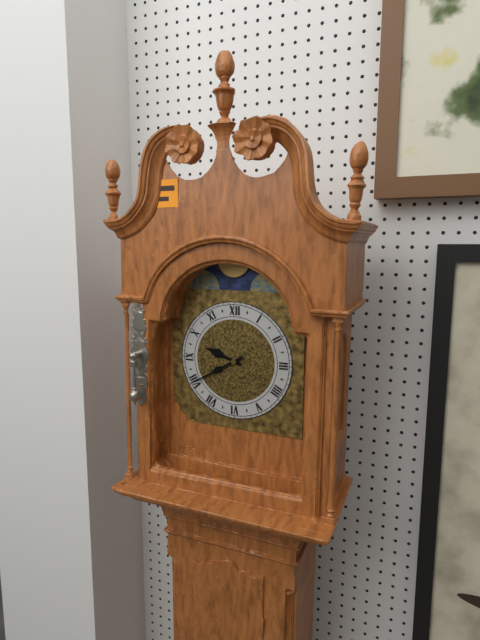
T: 9 h 40 min
